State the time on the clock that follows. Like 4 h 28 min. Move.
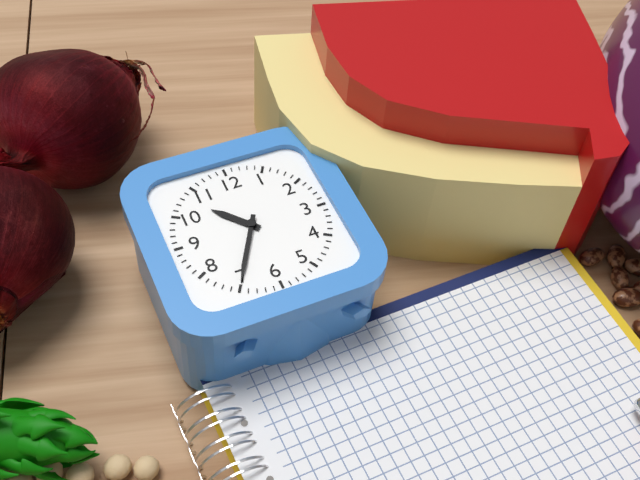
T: 10 h 35 min
